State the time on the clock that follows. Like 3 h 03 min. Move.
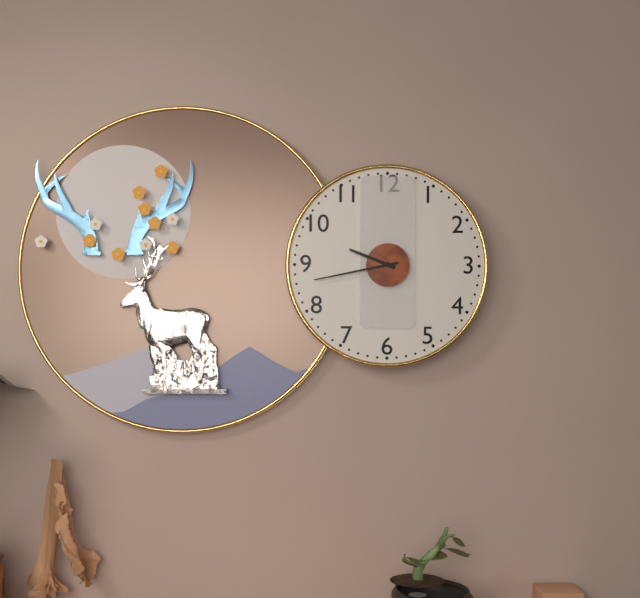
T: 9 h 43 min
